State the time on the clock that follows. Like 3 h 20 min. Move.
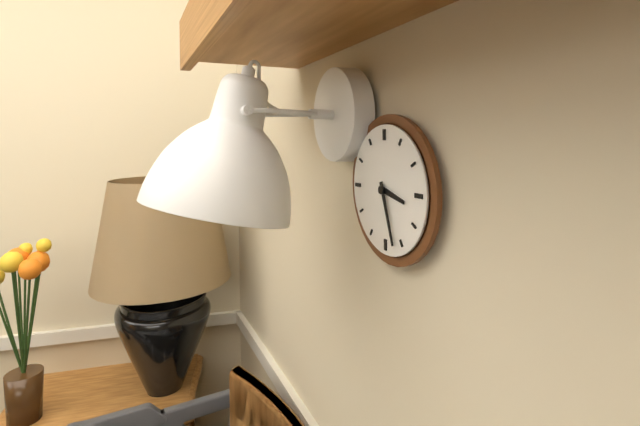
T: 3 h 27 min
